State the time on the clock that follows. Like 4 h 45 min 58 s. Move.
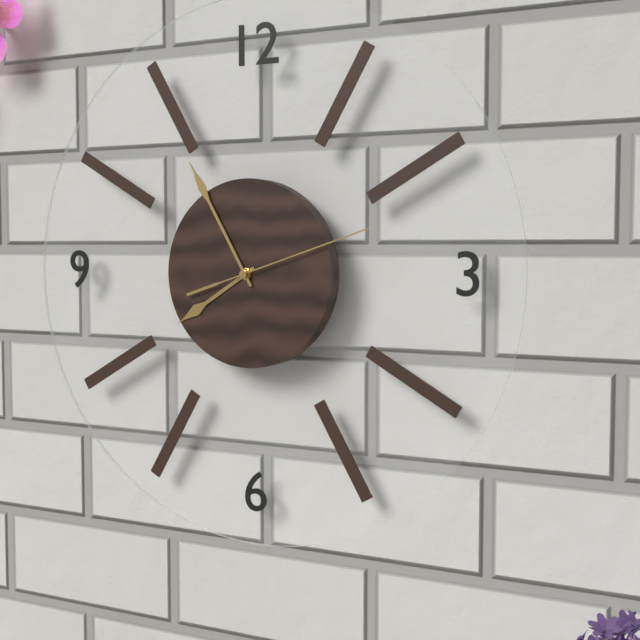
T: 7 h 55 min 12 s
